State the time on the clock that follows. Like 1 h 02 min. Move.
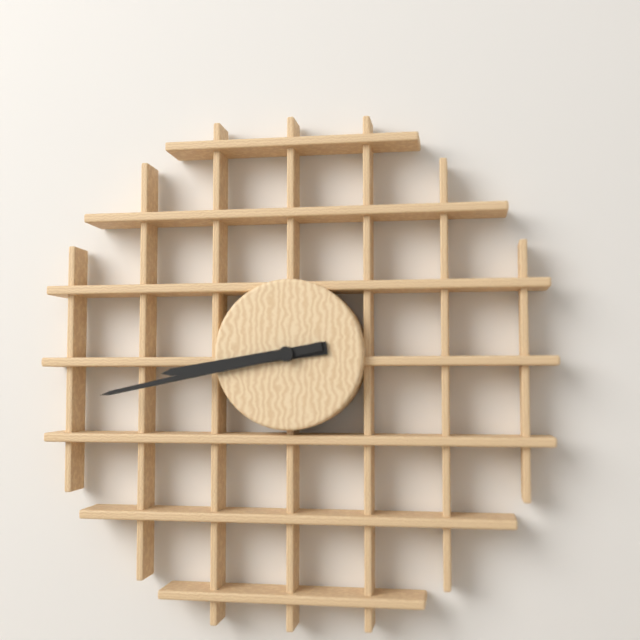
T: 8 h 43 min
